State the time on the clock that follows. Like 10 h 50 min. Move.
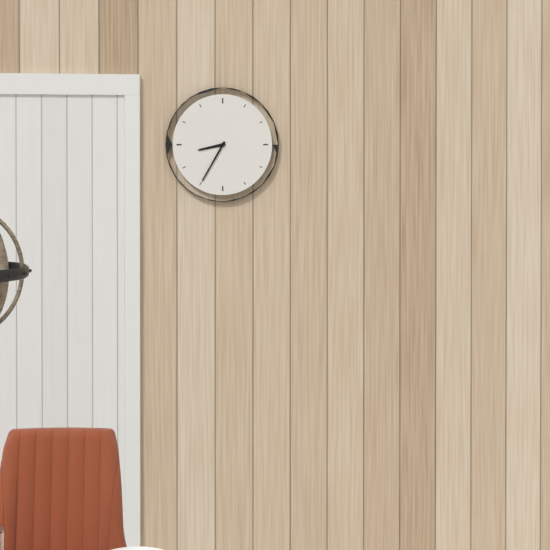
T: 8 h 35 min
